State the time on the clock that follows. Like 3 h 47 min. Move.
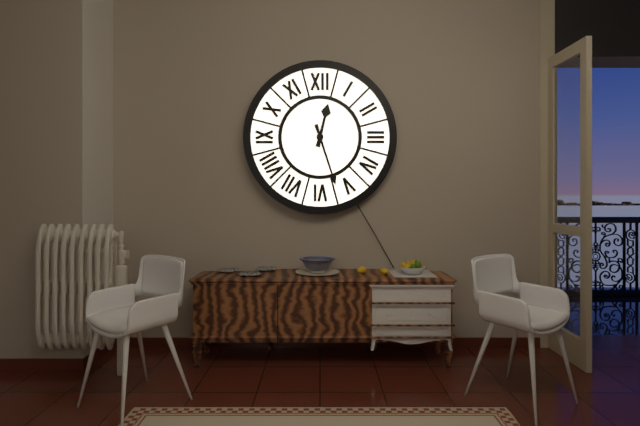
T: 12 h 27 min
